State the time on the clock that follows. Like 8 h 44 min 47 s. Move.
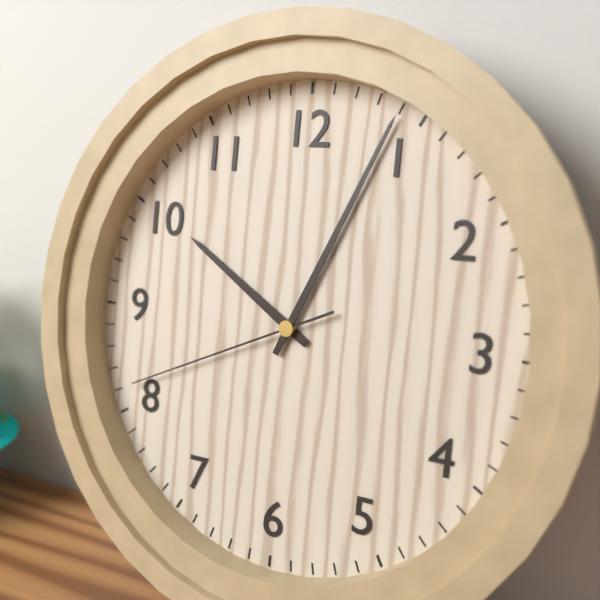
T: 10 h 04 min 41 s
